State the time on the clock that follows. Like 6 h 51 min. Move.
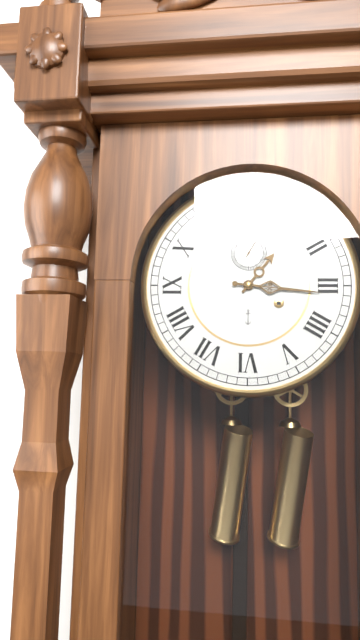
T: 1 h 16 min
